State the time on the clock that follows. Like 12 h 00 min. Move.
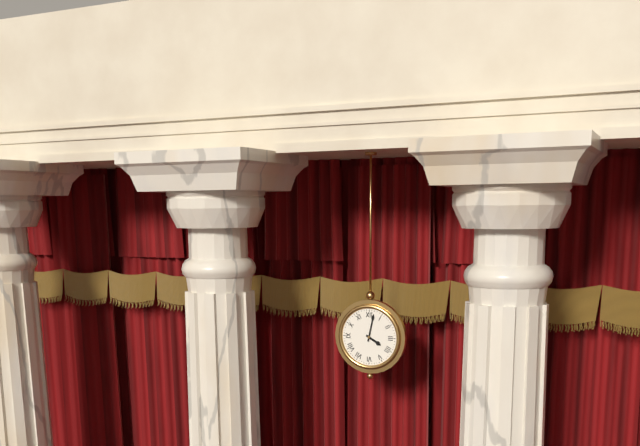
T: 4 h 02 min
